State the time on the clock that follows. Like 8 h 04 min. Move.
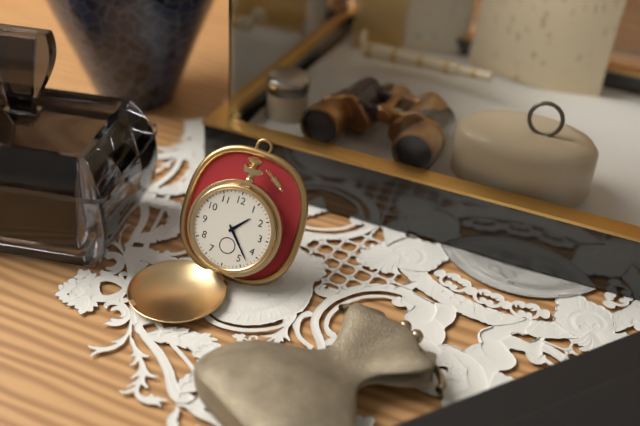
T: 1 h 23 min
